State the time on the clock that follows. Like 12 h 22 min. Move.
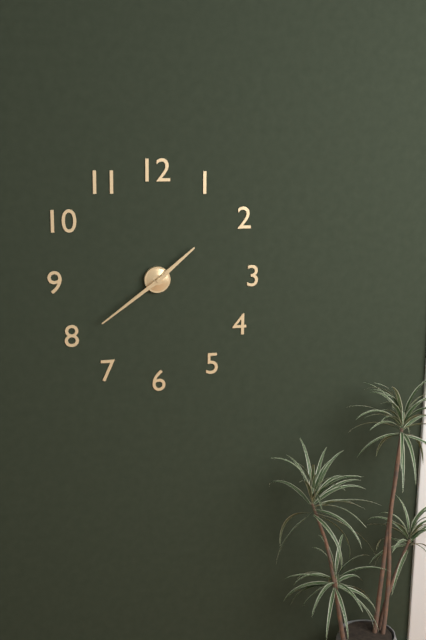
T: 1 h 39 min
